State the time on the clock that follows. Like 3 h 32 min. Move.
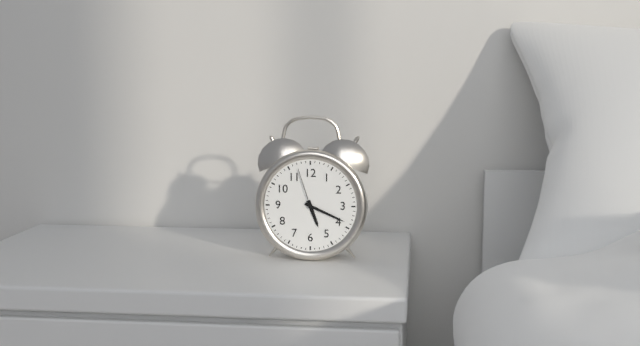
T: 5 h 19 min
